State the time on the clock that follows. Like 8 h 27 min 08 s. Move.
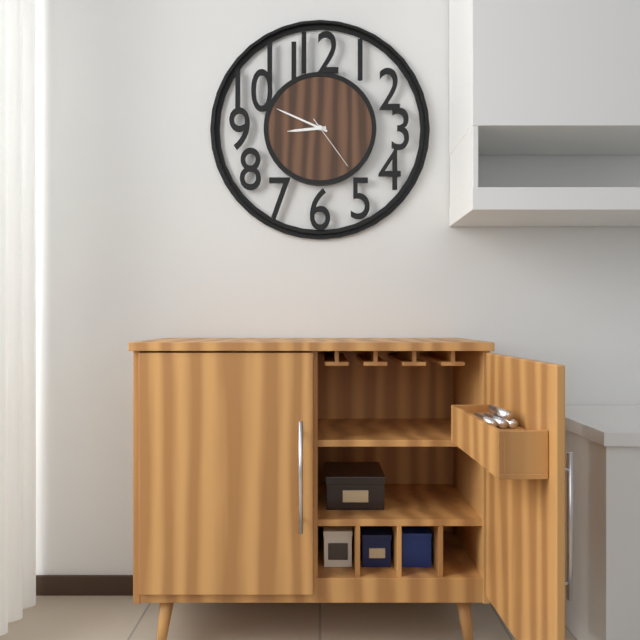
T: 8 h 49 min 24 s
